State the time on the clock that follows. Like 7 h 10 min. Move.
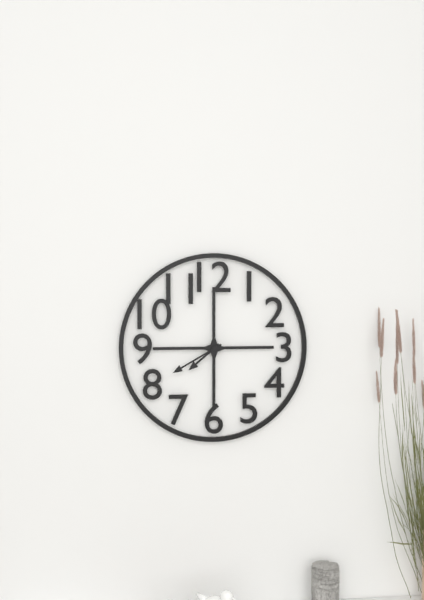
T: 7 h 40 min
